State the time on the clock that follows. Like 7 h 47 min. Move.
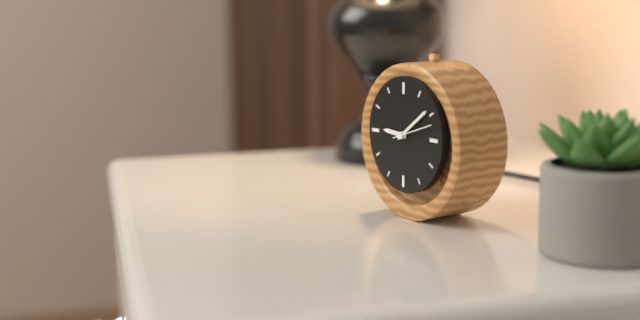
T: 9 h 09 min
